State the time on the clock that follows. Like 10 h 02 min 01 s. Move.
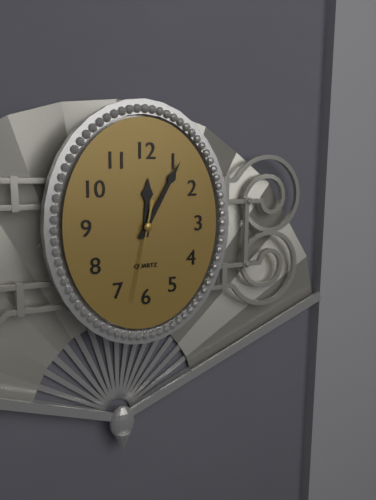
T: 12 h 05 min 32 s
